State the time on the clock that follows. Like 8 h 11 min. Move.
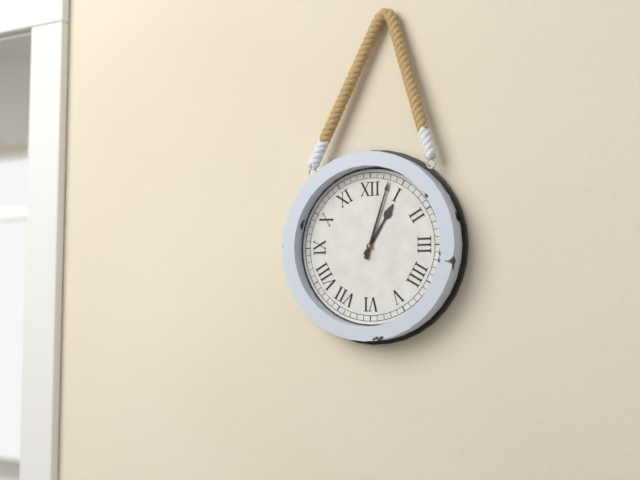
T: 1 h 03 min
